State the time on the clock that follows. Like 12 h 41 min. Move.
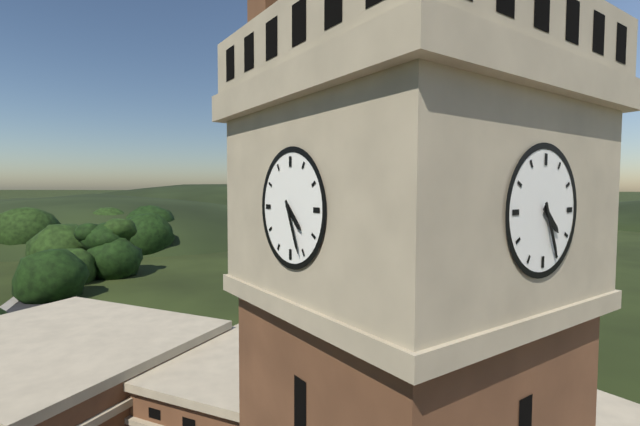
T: 4 h 26 min
